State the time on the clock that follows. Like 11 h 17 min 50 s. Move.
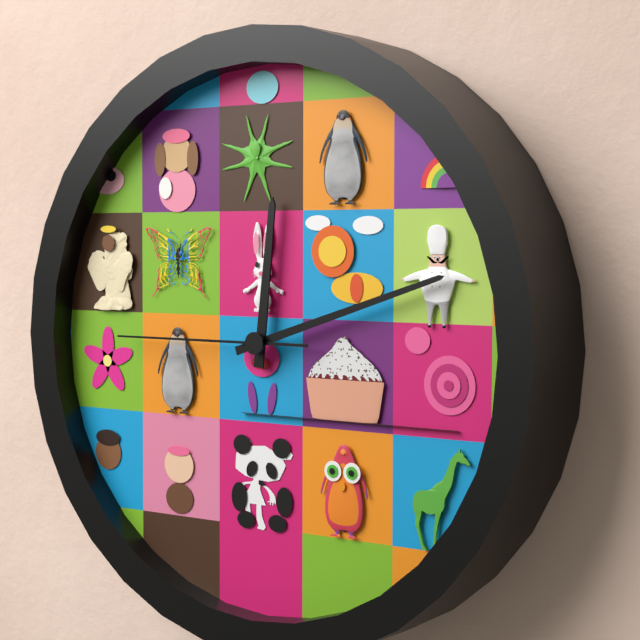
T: 12 h 12 min 45 s
